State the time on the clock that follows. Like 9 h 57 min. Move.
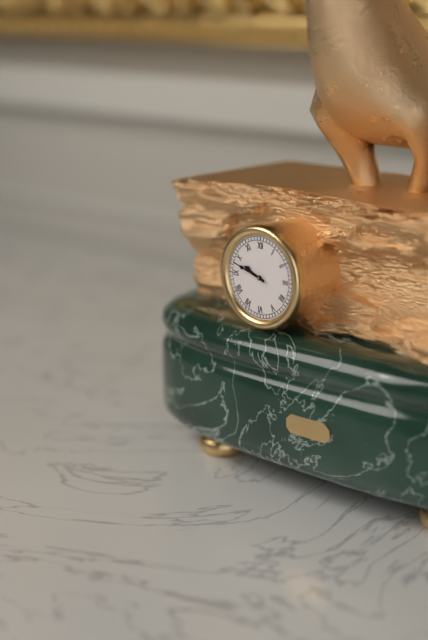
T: 9 h 48 min
